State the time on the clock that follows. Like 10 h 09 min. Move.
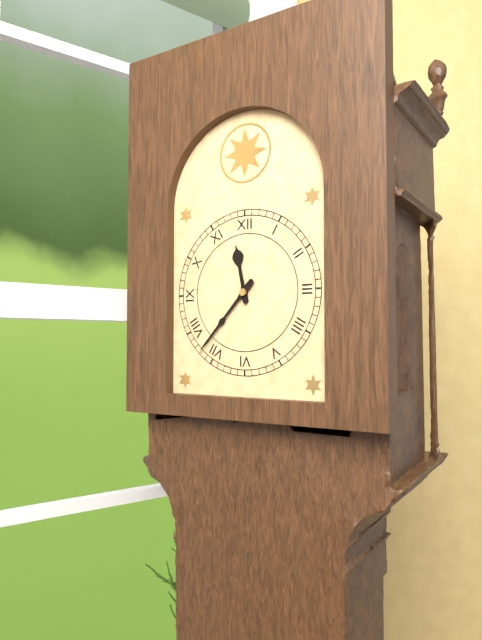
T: 11 h 37 min
